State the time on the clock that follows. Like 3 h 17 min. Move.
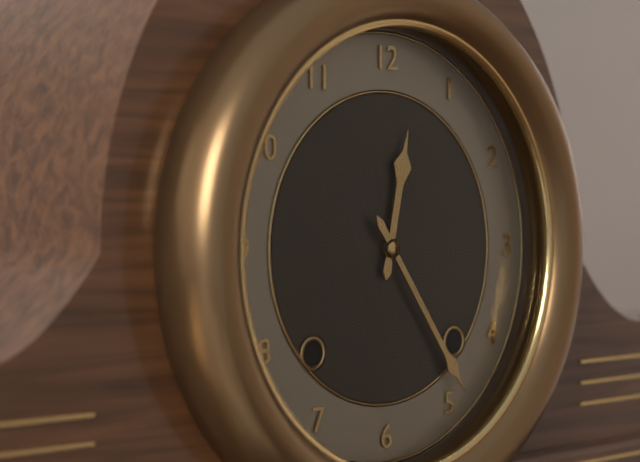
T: 12 h 24 min
